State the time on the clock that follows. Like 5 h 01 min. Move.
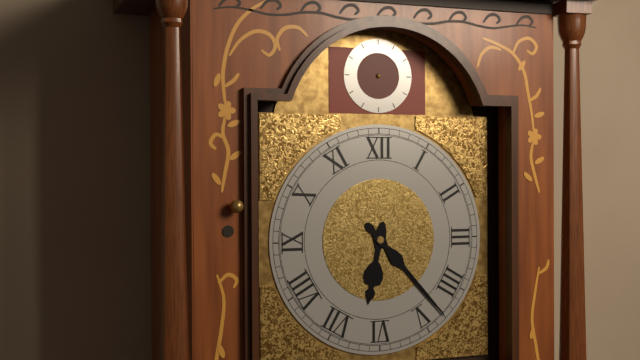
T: 6 h 23 min
